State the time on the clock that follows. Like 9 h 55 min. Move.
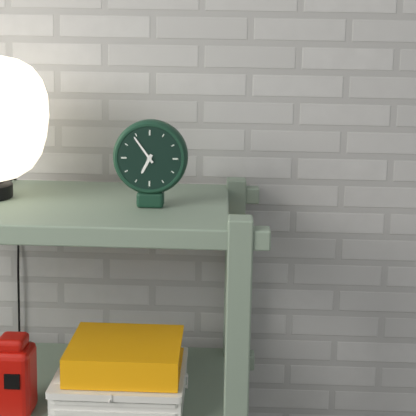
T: 6 h 54 min
